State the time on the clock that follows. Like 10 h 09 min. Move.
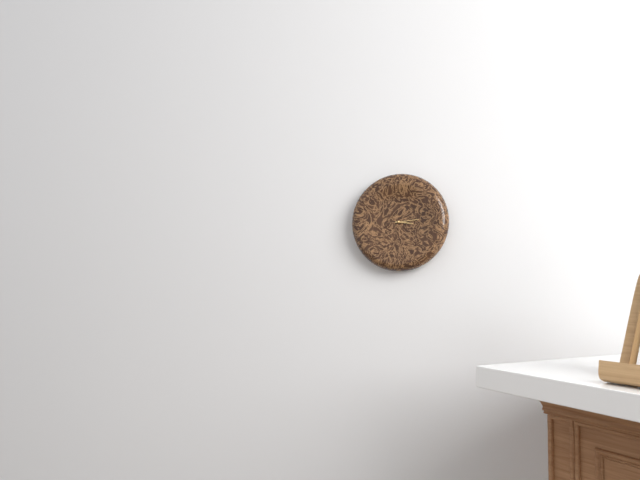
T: 3 h 14 min
